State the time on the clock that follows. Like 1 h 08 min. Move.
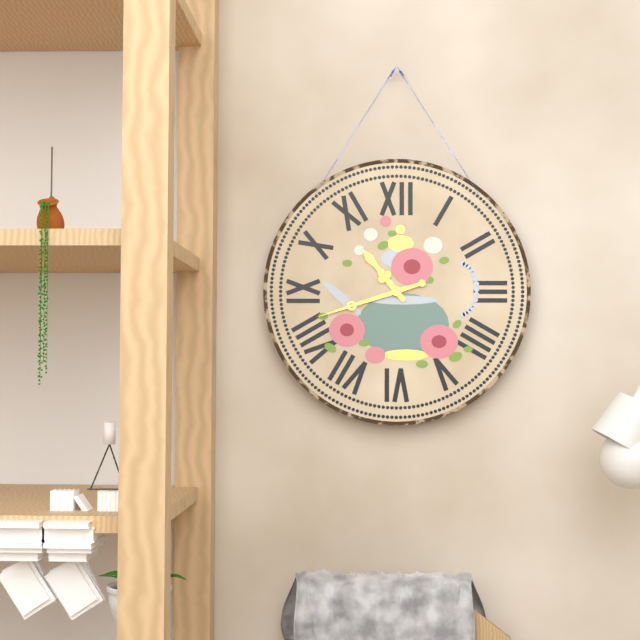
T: 10 h 42 min
